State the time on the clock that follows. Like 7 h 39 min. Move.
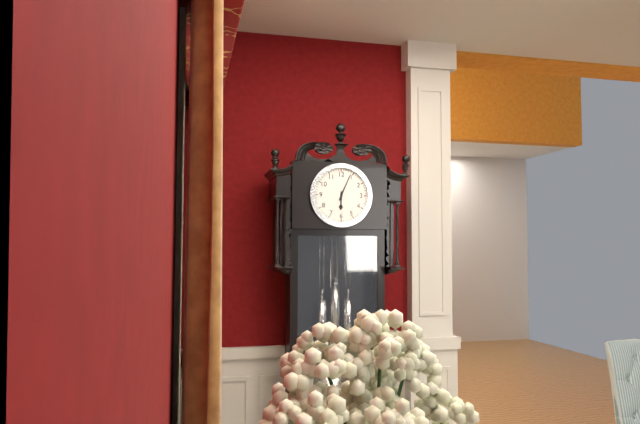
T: 6 h 04 min
